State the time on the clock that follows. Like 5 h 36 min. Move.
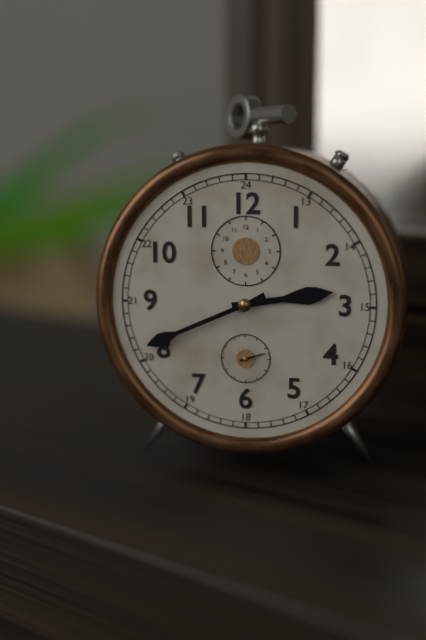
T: 2 h 41 min
